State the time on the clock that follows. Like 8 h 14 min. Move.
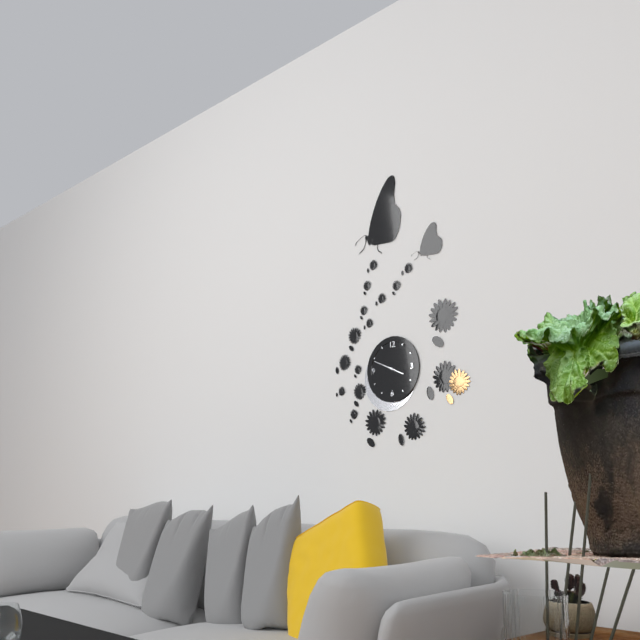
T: 3 h 49 min
